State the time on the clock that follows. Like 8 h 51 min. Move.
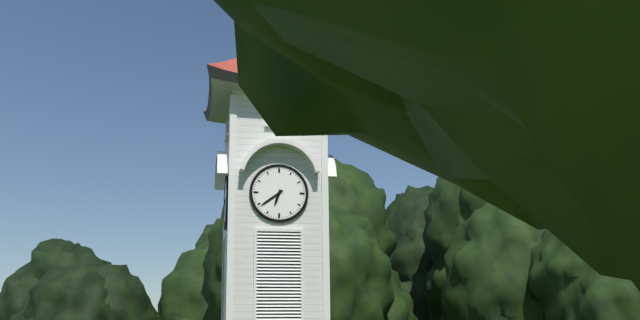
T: 6 h 39 min
